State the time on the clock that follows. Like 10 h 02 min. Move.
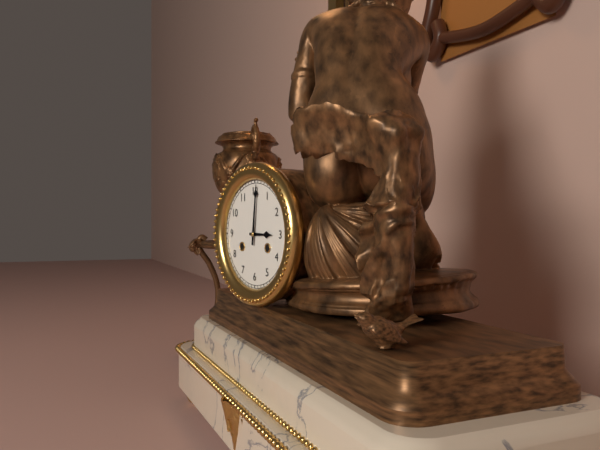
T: 3 h 01 min
